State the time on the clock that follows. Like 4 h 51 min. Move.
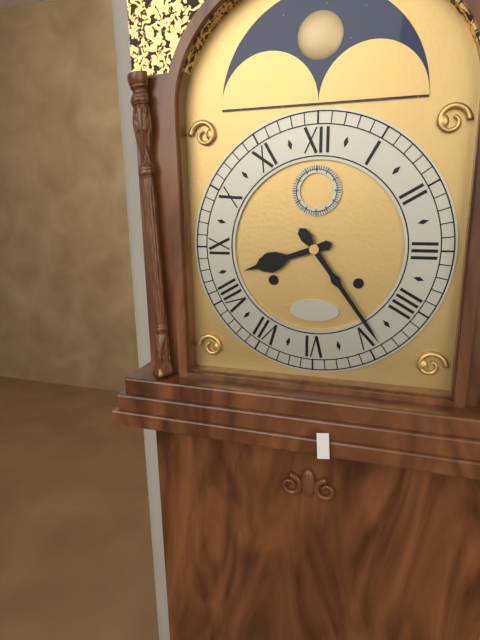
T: 8 h 24 min
